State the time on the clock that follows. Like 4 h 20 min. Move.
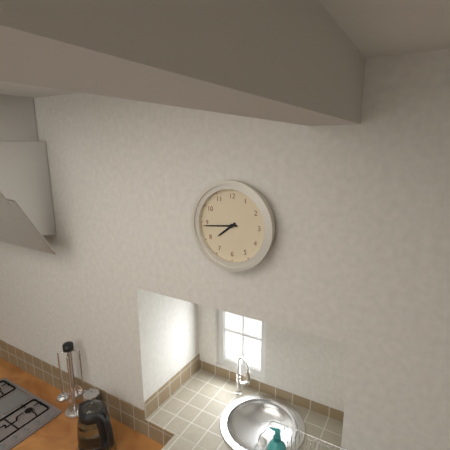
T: 7 h 44 min
